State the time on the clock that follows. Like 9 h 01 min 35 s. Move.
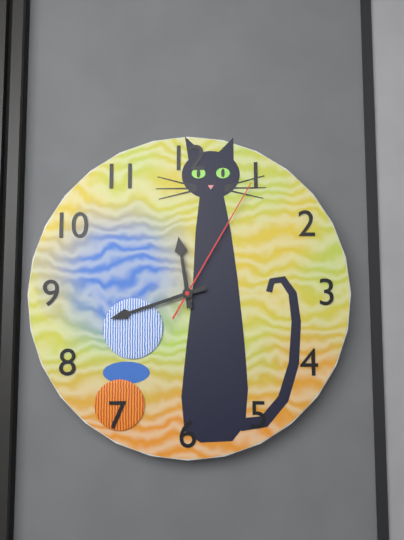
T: 11 h 42 min 05 s
